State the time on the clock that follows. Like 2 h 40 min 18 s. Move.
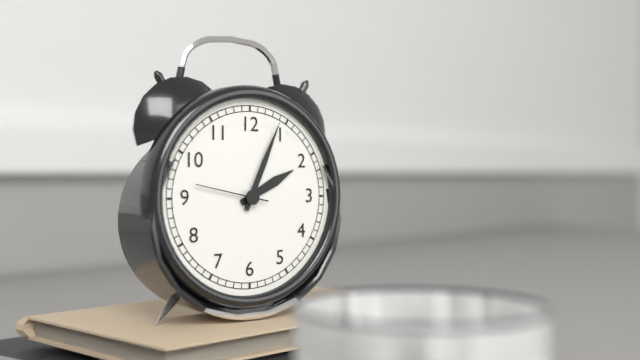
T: 2 h 04 min 47 s
